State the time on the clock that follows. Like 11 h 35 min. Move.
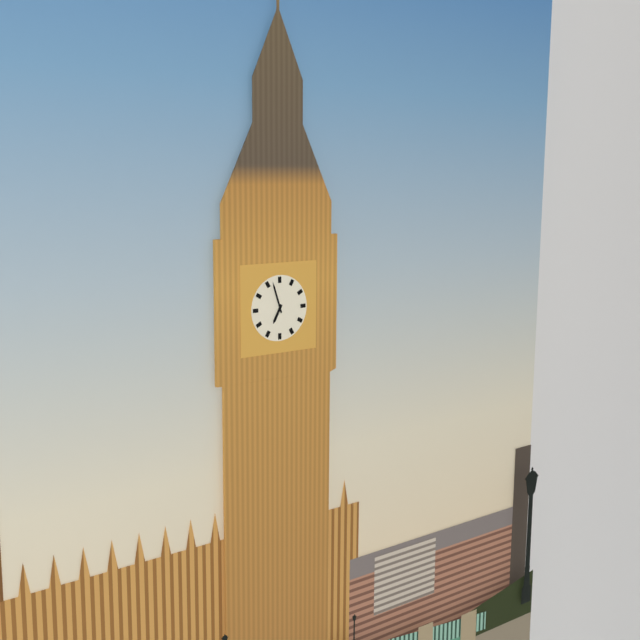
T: 6 h 57 min
